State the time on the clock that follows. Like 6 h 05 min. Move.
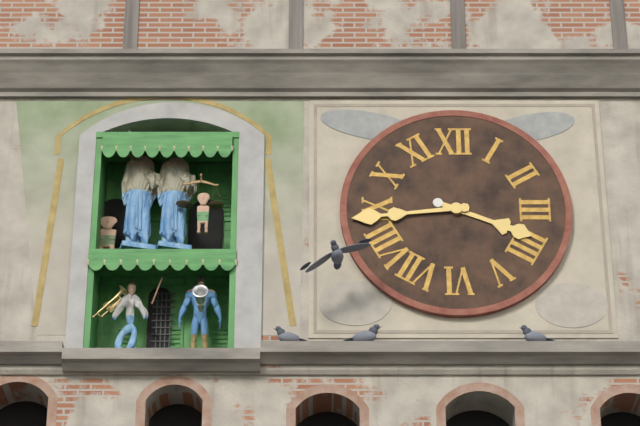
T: 3 h 44 min
